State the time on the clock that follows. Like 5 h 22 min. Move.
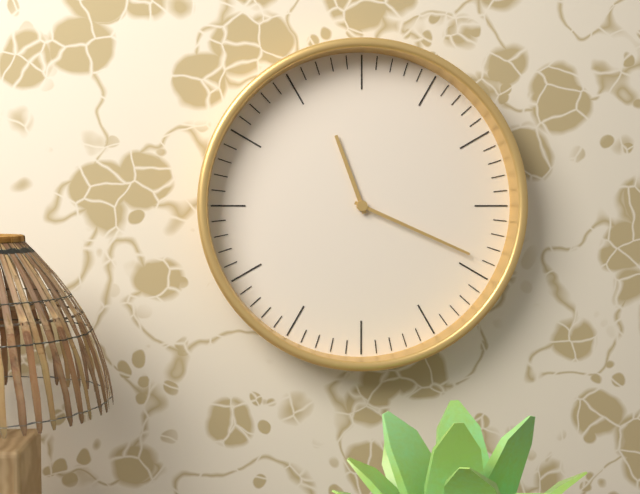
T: 11 h 19 min
